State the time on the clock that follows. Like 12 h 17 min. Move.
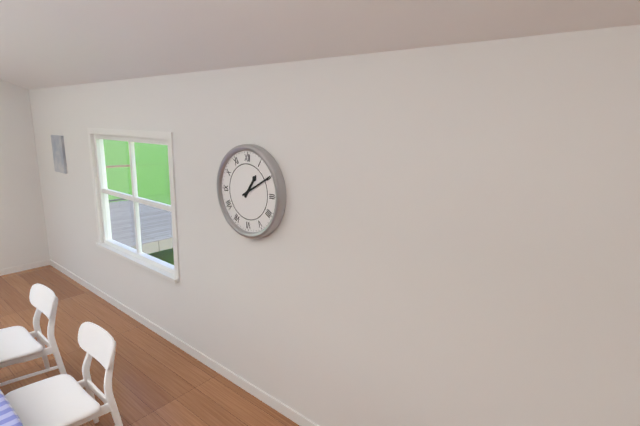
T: 1 h 10 min
